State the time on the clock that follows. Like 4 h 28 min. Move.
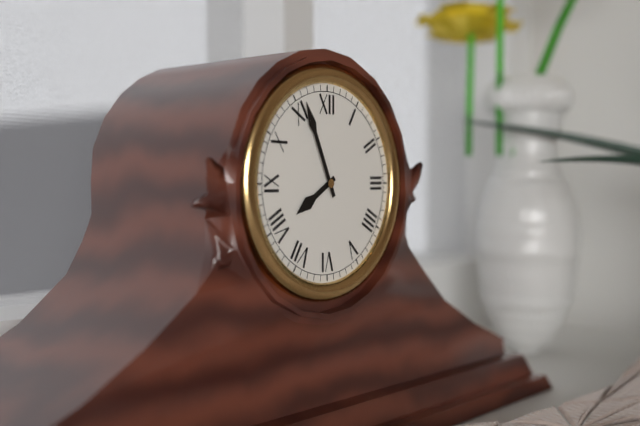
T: 7 h 56 min
